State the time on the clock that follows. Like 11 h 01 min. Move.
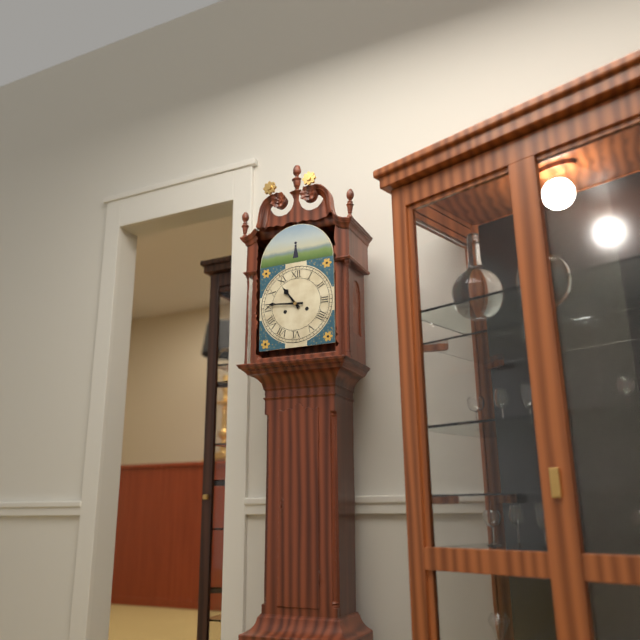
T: 10 h 46 min
